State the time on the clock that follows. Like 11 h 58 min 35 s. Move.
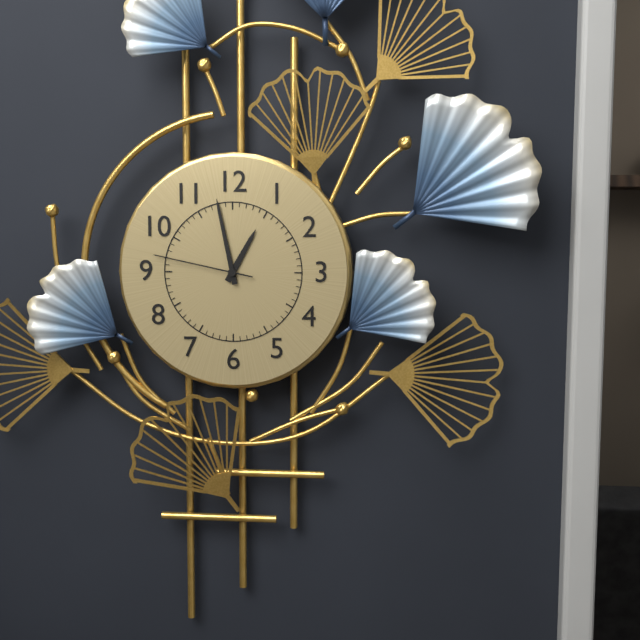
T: 12 h 58 min 47 s
